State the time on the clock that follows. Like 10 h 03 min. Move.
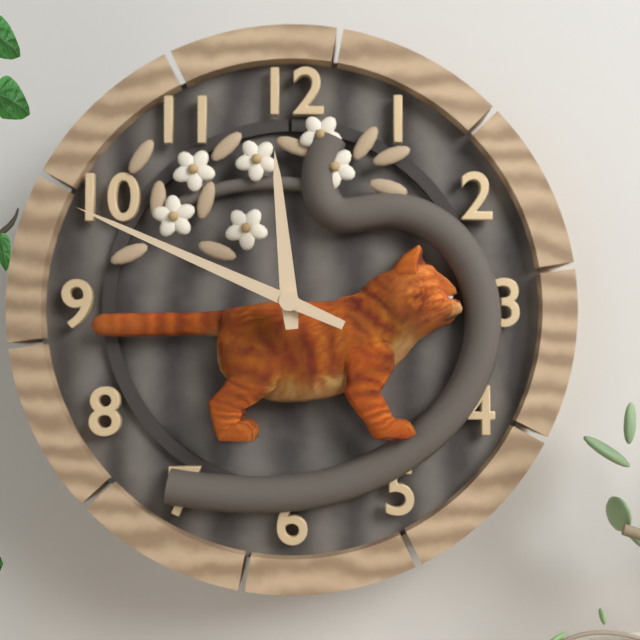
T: 11 h 49 min
